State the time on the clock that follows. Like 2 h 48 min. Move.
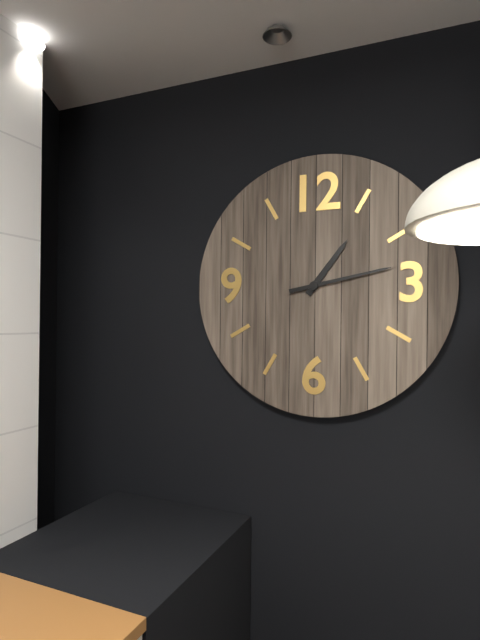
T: 1 h 13 min
